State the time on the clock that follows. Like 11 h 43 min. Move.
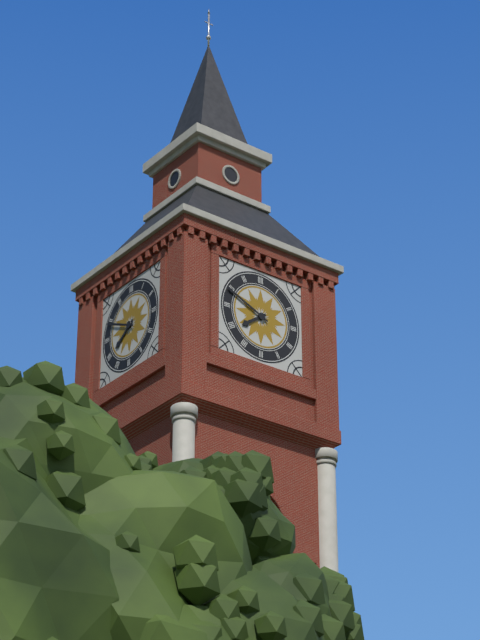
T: 7 h 49 min
